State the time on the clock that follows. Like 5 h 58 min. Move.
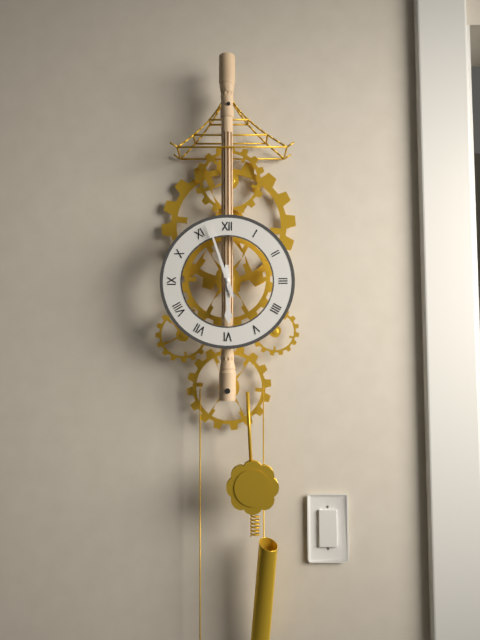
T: 5 h 57 min
